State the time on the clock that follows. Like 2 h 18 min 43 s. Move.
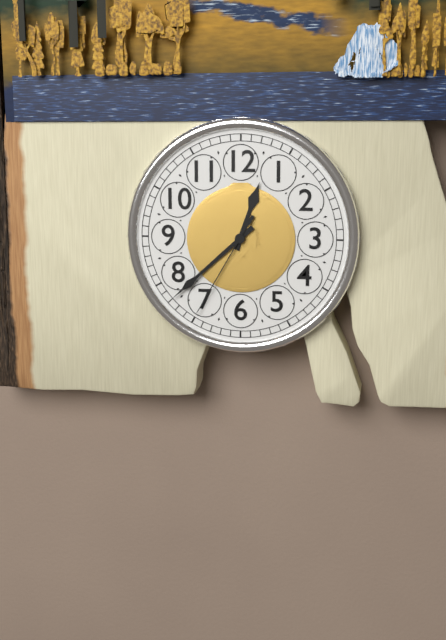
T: 12 h 38 min 35 s
